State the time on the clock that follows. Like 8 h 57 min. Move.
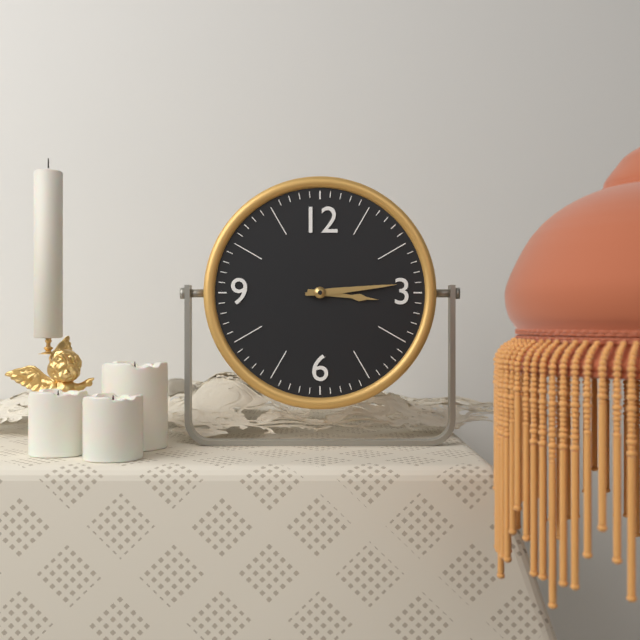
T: 3 h 14 min
